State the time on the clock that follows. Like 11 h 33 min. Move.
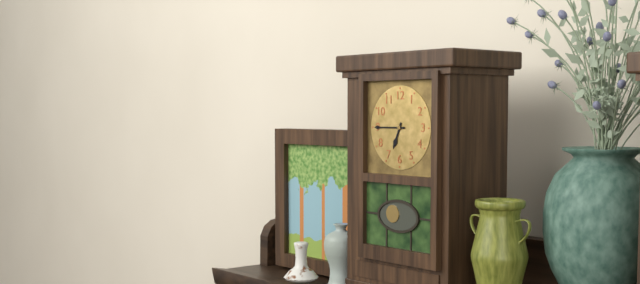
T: 6 h 45 min
